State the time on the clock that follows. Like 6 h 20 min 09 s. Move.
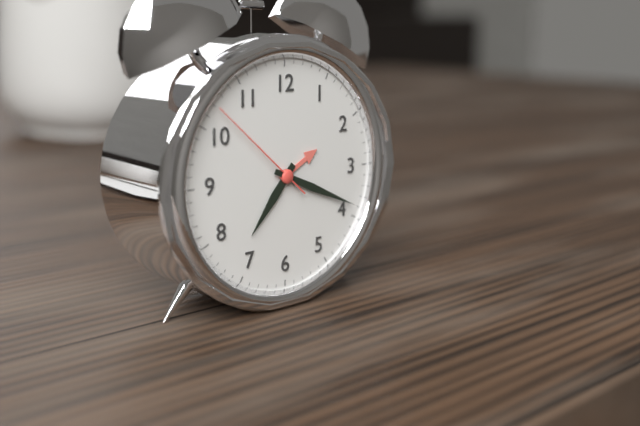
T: 7 h 19 min 52 s
